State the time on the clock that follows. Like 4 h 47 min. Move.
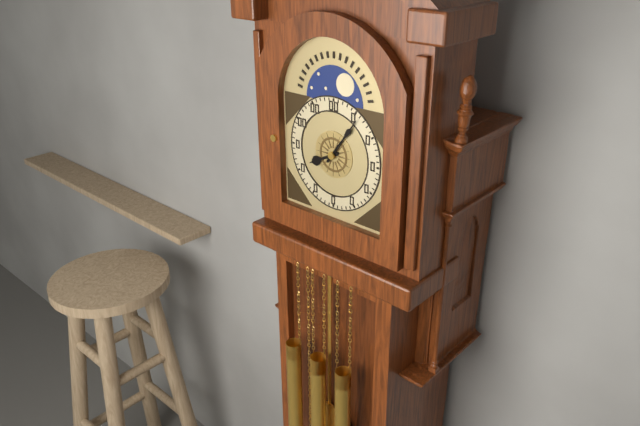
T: 8 h 06 min
